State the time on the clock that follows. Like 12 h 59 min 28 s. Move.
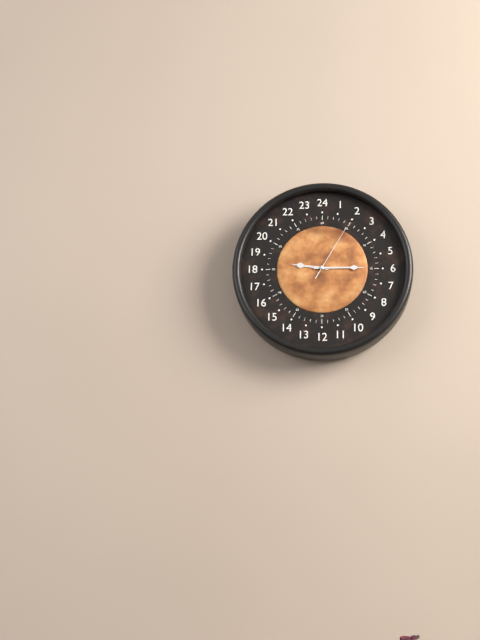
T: 9 h 15 min 05 s
